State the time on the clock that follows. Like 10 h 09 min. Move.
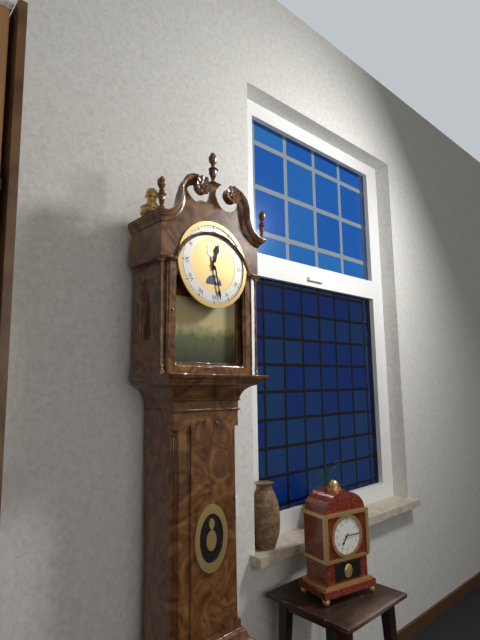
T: 12 h 28 min
